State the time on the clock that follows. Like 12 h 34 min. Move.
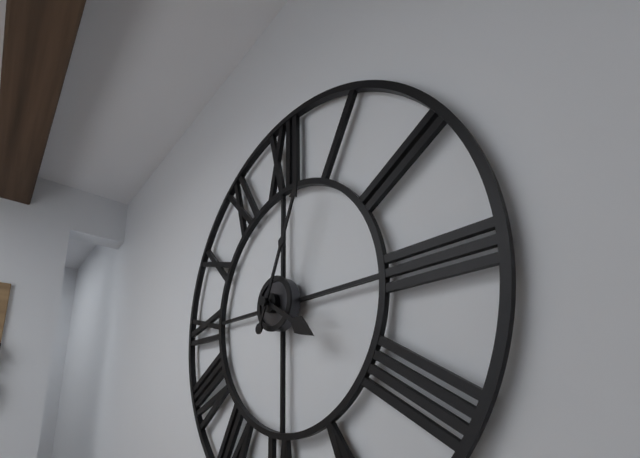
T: 4 h 04 min
